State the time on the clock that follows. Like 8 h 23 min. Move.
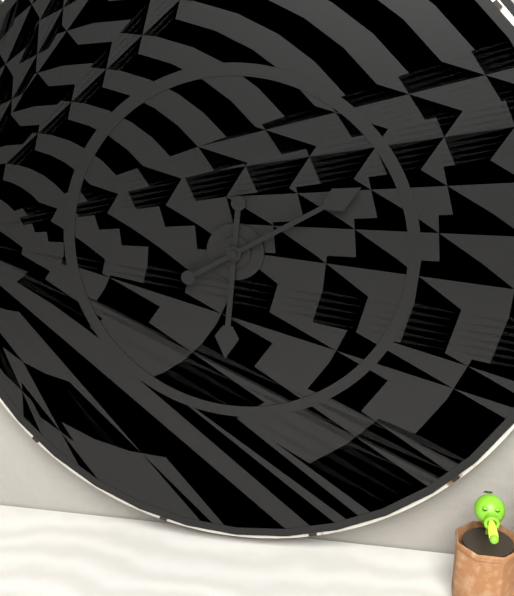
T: 6 h 10 min
